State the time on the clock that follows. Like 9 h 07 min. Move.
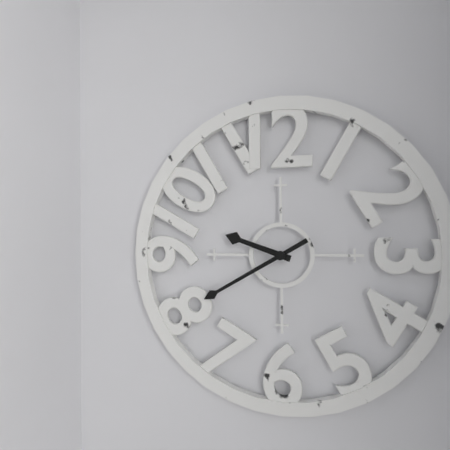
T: 9 h 40 min
